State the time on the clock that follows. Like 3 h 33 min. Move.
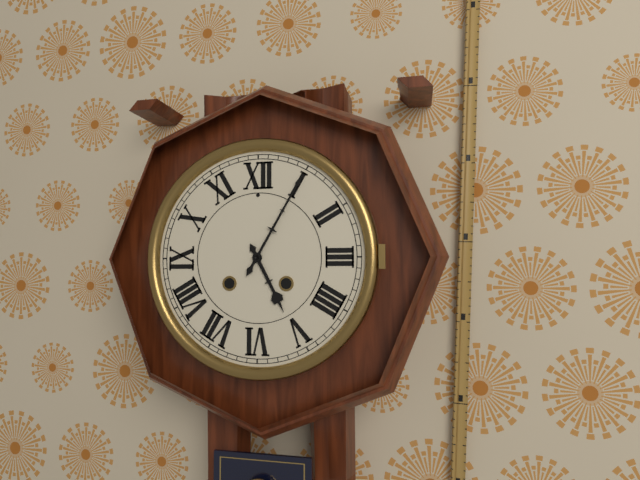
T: 5 h 05 min
